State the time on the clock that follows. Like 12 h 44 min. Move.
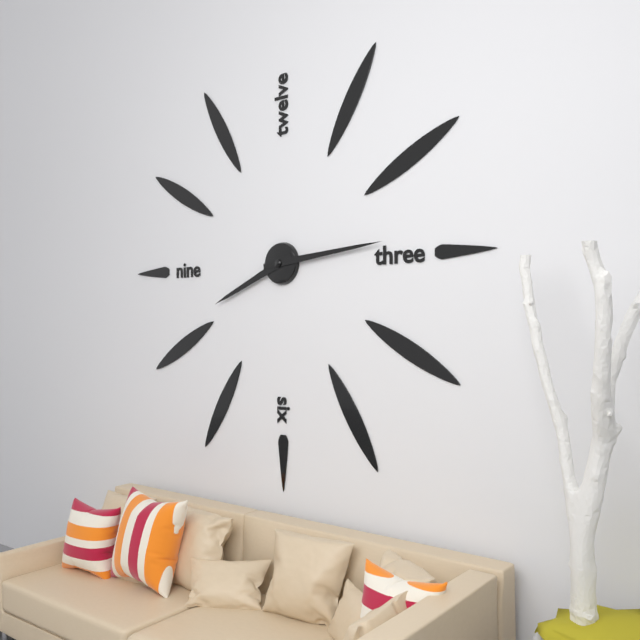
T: 8 h 14 min
